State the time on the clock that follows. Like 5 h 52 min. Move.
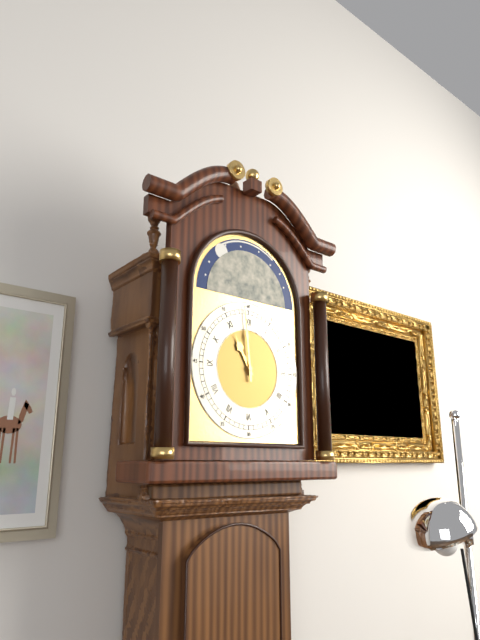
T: 10 h 59 min
